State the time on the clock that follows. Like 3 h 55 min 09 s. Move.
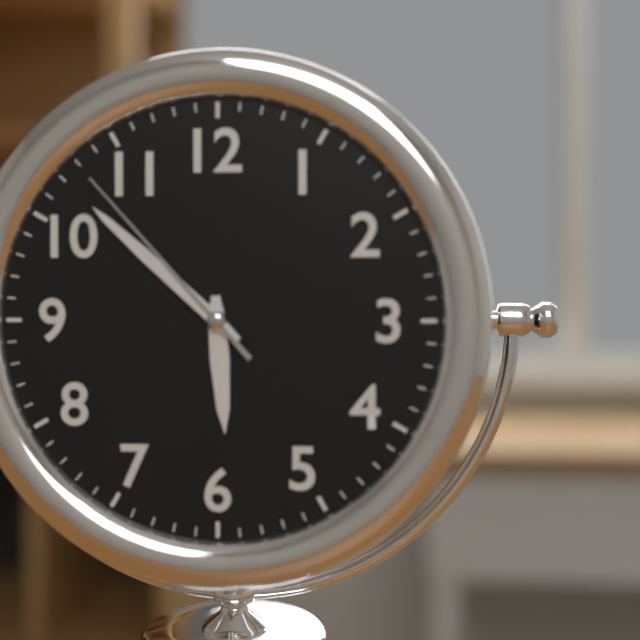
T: 5 h 52 min 53 s
